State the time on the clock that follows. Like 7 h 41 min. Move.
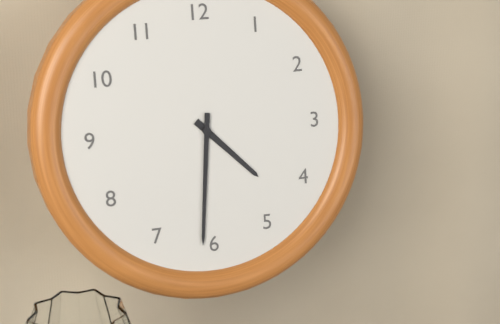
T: 4 h 31 min
